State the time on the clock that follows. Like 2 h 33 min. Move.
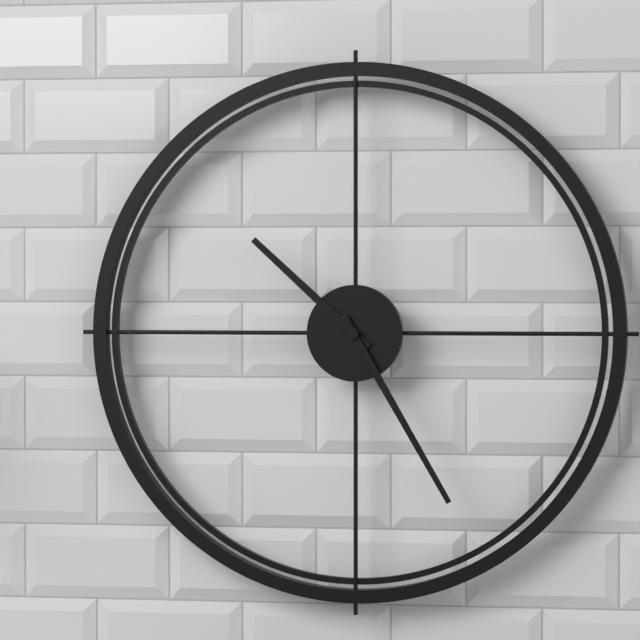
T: 10 h 25 min
